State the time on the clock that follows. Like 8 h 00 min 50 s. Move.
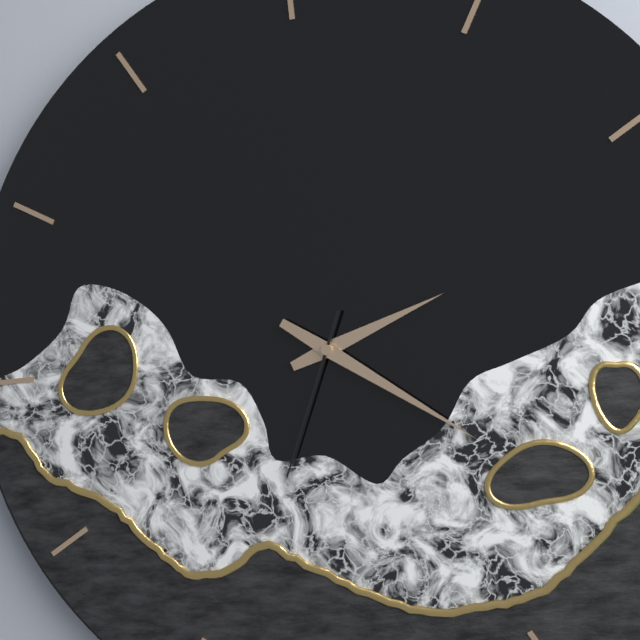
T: 2 h 21 min 34 s
